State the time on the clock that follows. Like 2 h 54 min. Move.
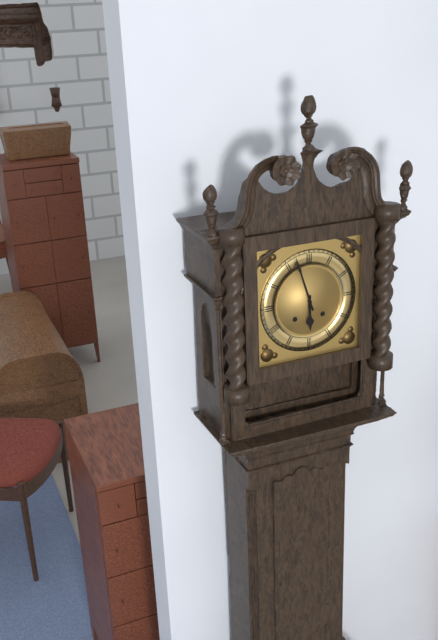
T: 5 h 57 min
